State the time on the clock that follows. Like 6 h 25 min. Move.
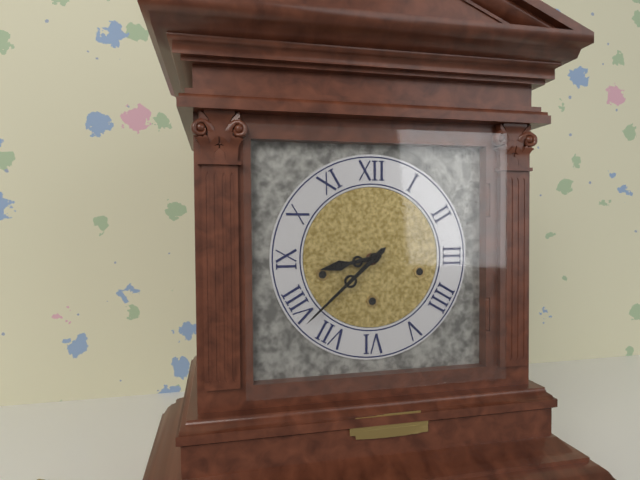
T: 8 h 38 min
